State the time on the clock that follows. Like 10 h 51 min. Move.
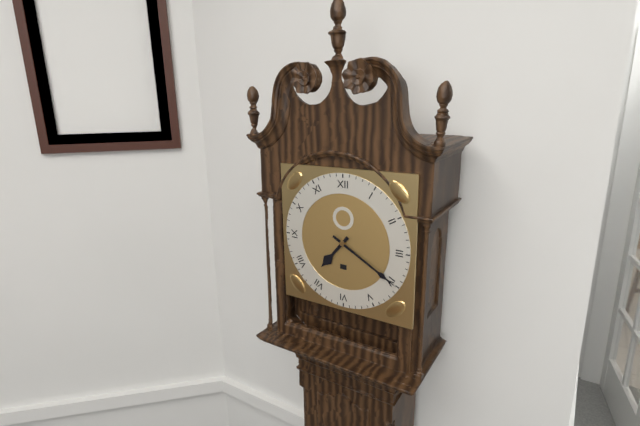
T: 7 h 20 min
